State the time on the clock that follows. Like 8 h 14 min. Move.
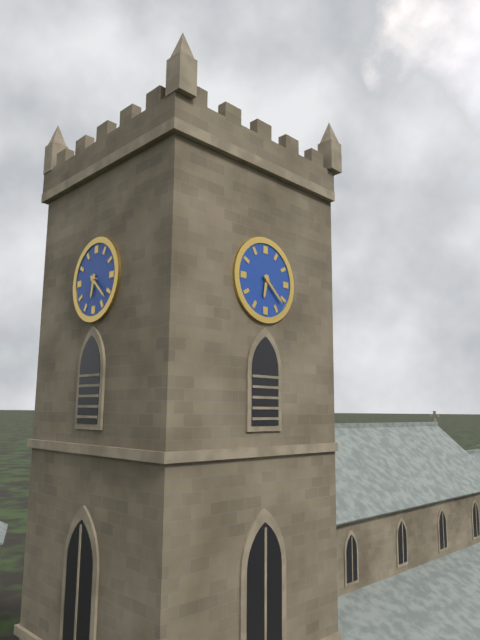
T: 6 h 22 min
